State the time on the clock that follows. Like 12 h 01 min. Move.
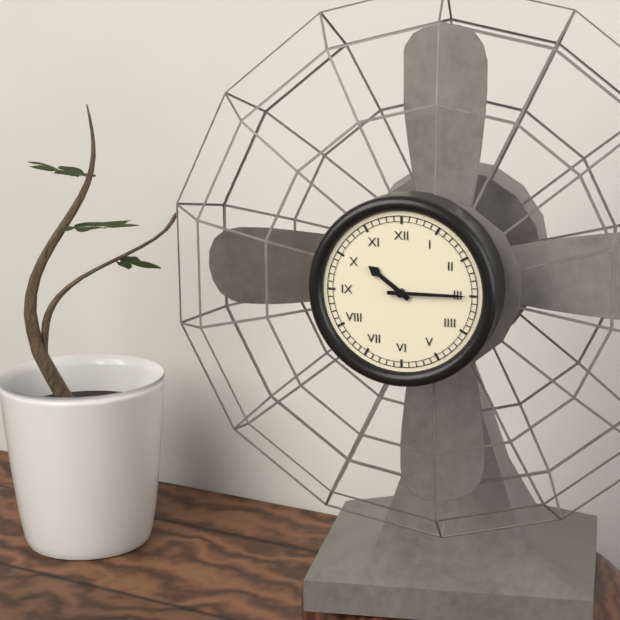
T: 10 h 15 min
